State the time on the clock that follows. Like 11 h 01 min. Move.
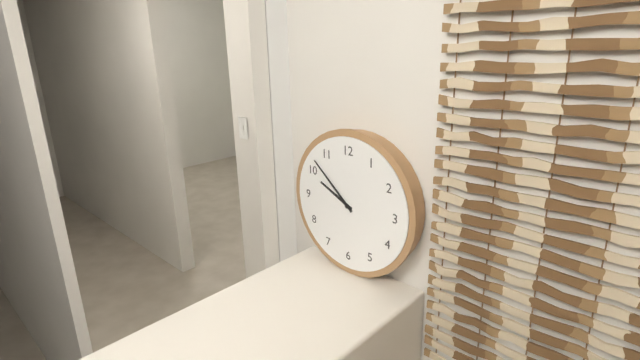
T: 9 h 52 min
